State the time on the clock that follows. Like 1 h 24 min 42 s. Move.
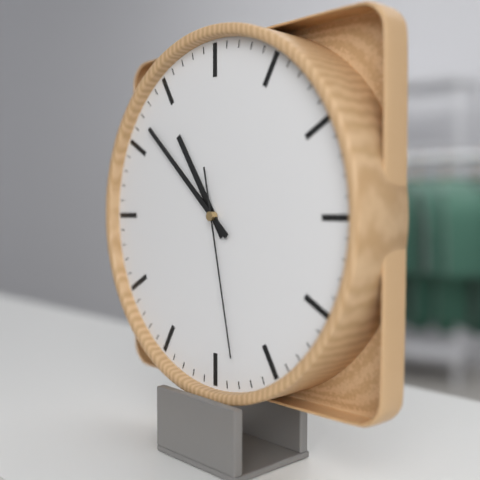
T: 10 h 52 min 28 s
